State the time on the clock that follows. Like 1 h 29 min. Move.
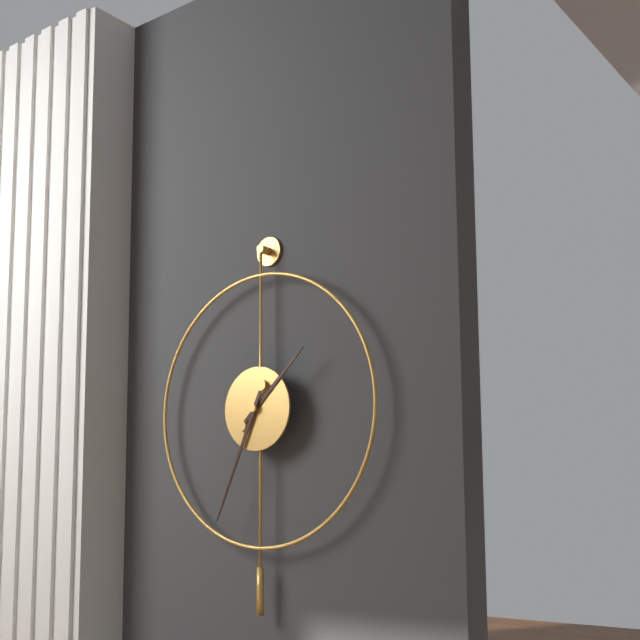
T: 1 h 34 min
